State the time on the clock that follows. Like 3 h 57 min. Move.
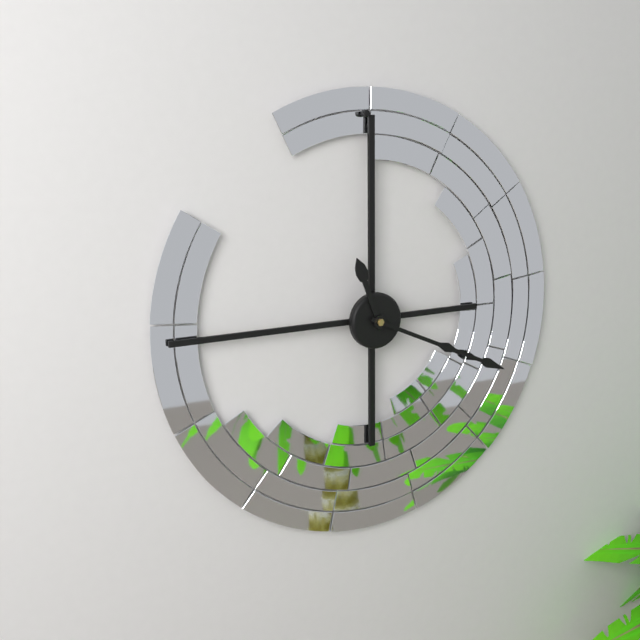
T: 11 h 19 min
